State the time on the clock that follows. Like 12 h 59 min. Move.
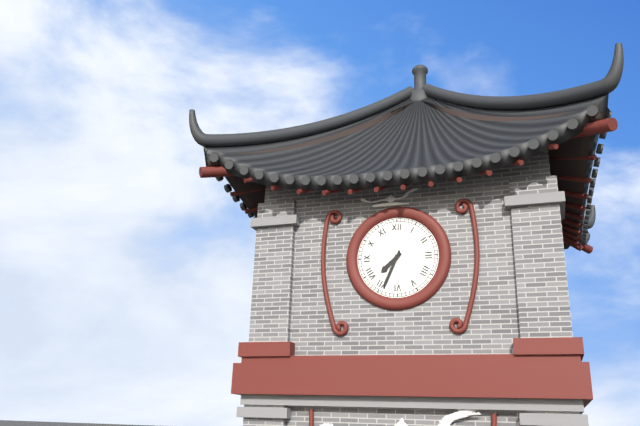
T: 7 h 34 min
